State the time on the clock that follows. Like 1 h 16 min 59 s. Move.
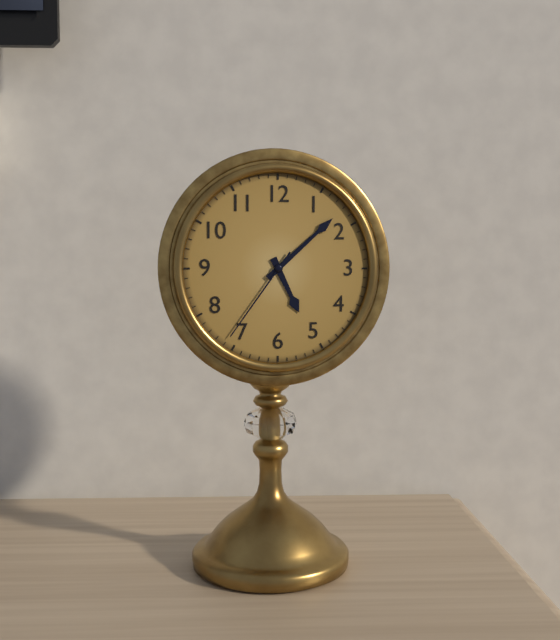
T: 5 h 08 min 36 s
